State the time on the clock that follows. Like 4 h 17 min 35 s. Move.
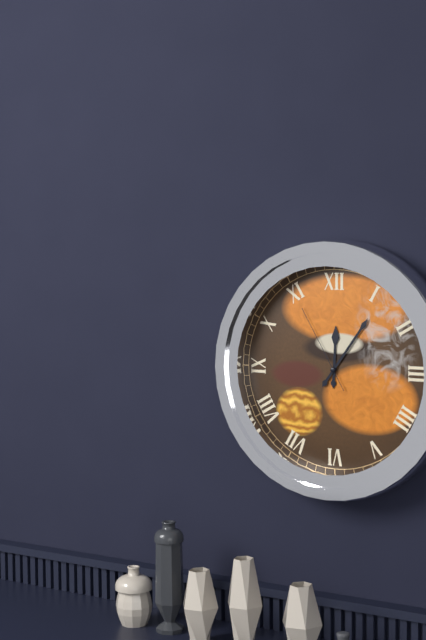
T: 12 h 06 min 55 s
